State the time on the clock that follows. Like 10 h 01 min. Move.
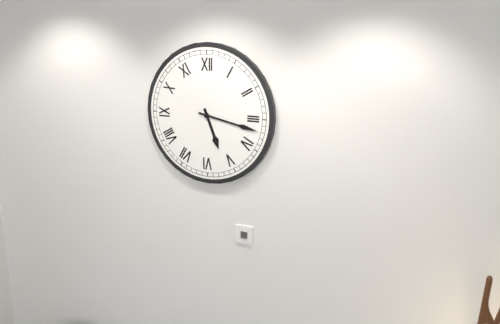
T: 5 h 17 min
